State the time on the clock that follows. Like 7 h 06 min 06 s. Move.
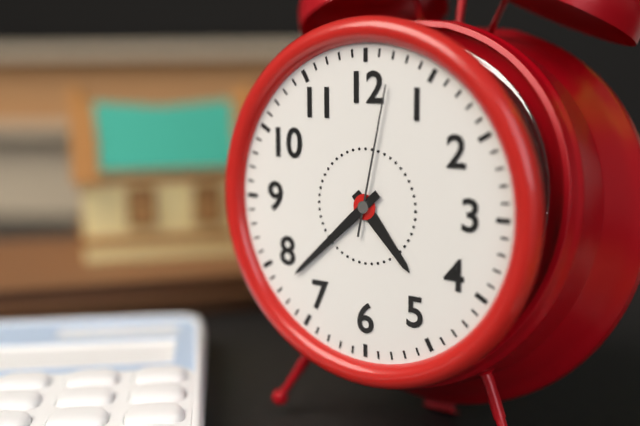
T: 4 h 38 min 02 s
